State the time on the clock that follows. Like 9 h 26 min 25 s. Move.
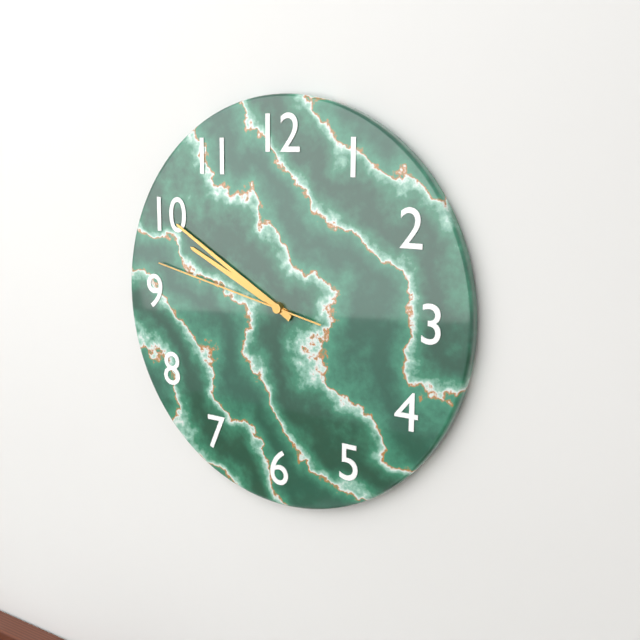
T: 9 h 50 min 47 s
